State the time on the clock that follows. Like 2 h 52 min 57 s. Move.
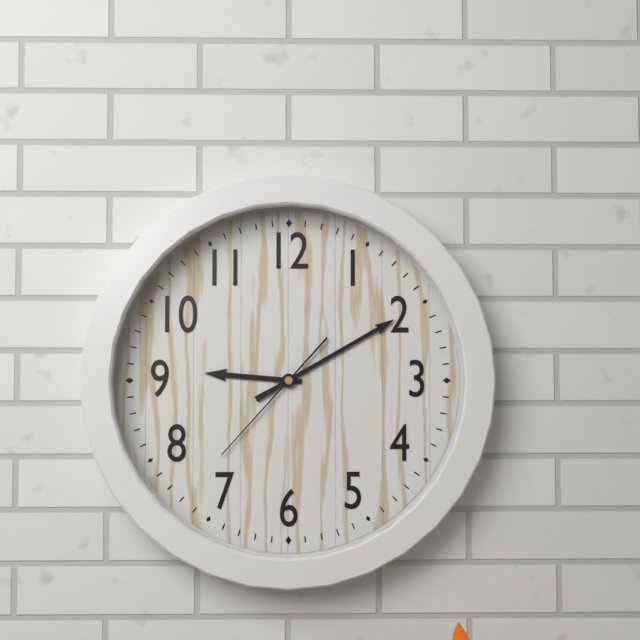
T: 9 h 10 min 37 s
